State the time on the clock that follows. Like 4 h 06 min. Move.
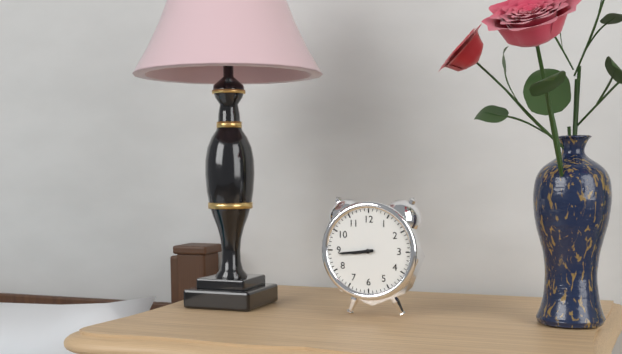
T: 8 h 44 min
